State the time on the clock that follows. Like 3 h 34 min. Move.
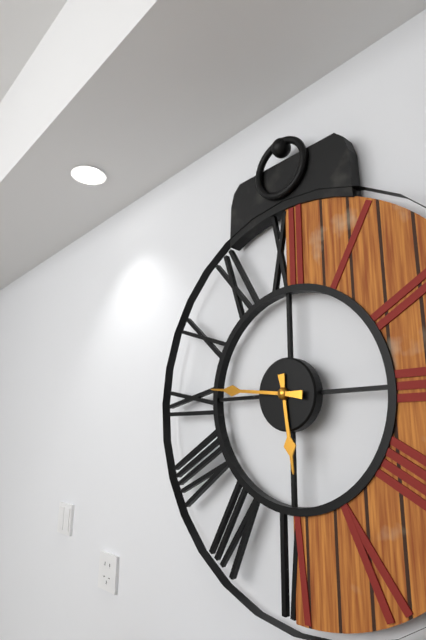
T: 5 h 46 min
